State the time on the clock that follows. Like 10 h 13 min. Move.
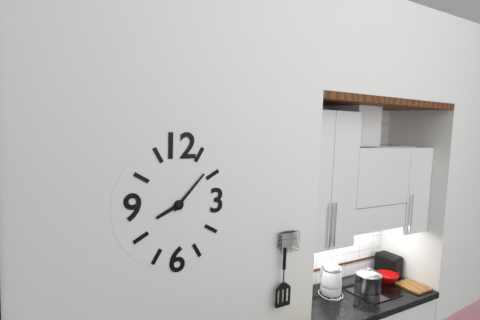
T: 8 h 07 min
